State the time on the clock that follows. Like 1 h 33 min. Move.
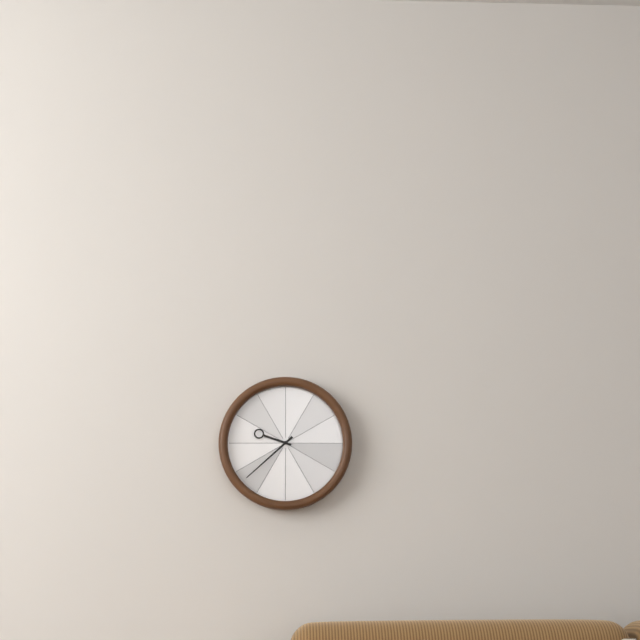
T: 9 h 38 min
